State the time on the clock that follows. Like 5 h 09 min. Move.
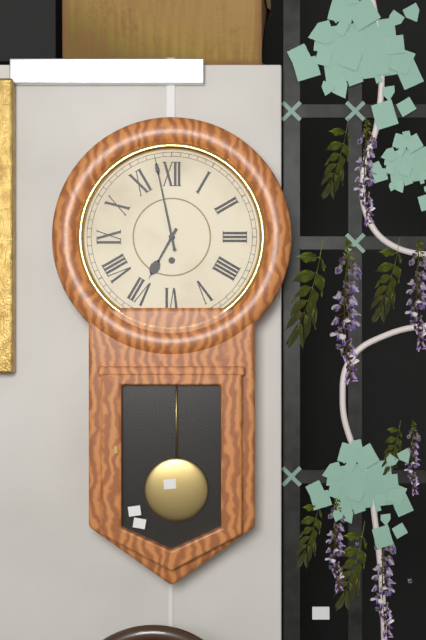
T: 6 h 58 min
